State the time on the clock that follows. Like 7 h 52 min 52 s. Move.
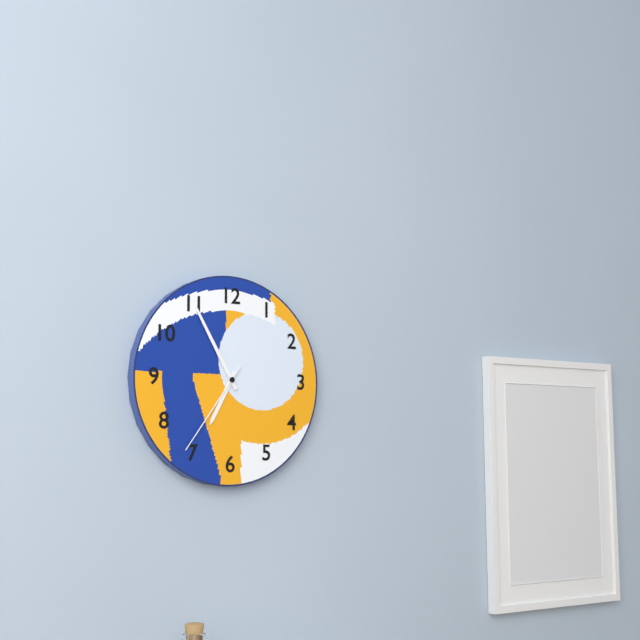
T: 6 h 55 min 36 s
